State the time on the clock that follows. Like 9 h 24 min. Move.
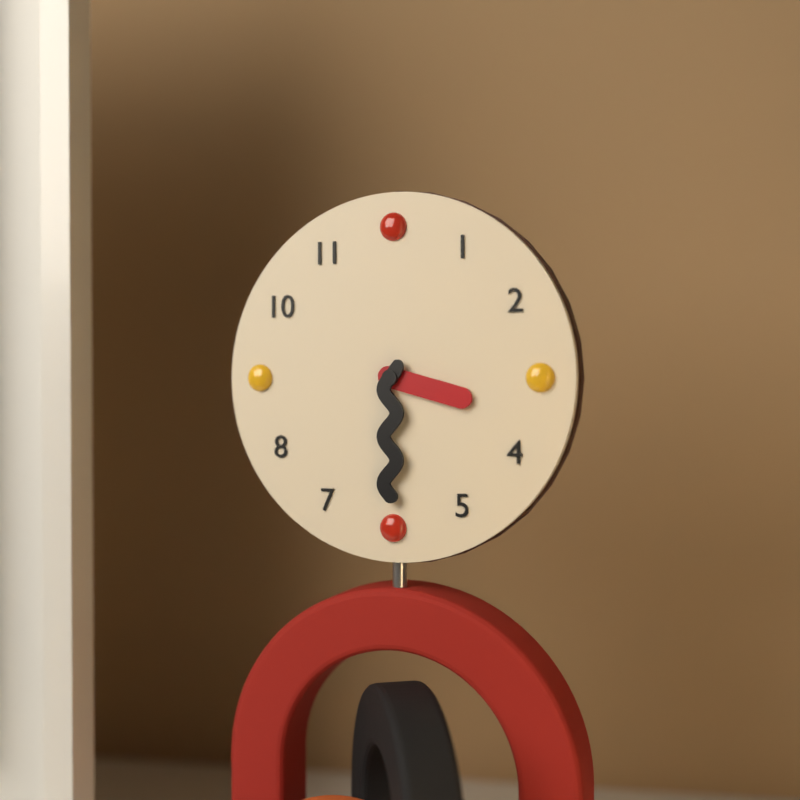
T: 3 h 30 min
